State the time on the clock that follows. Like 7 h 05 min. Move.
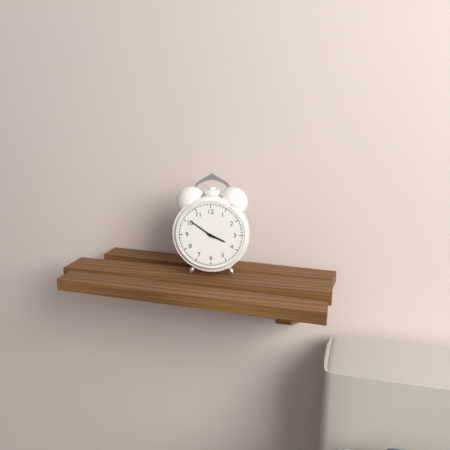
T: 3 h 51 min
